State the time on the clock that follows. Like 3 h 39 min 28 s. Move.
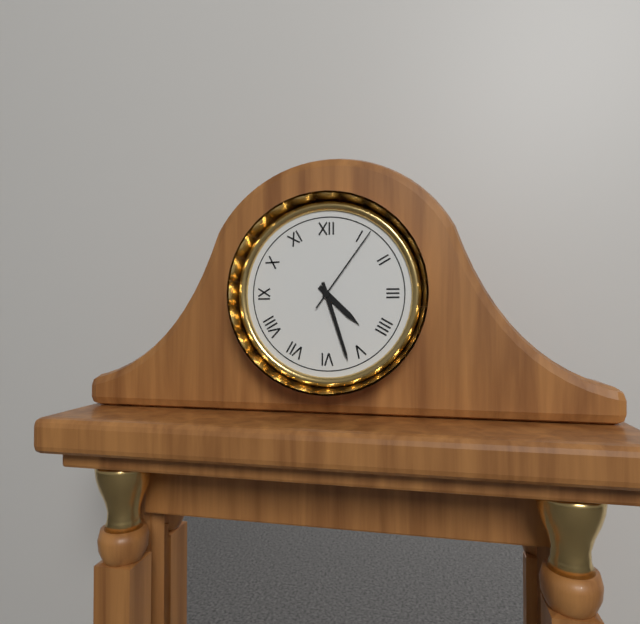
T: 4 h 27 min 06 s
